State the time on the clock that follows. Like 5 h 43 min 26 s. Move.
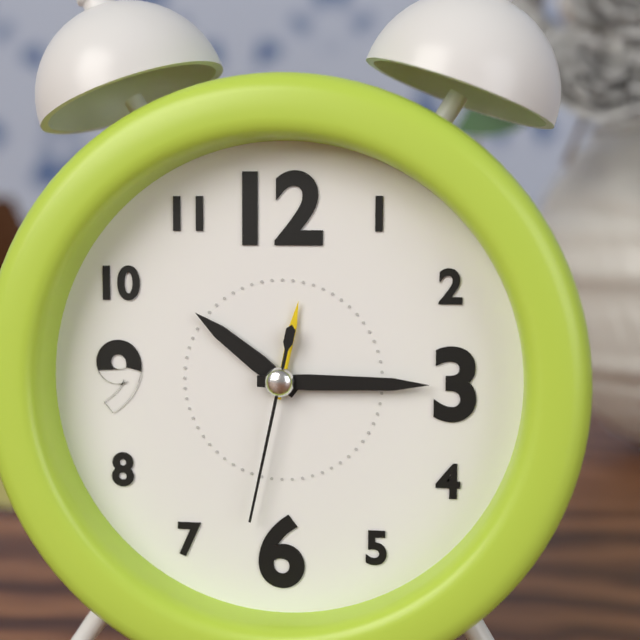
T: 10 h 15 min 32 s
